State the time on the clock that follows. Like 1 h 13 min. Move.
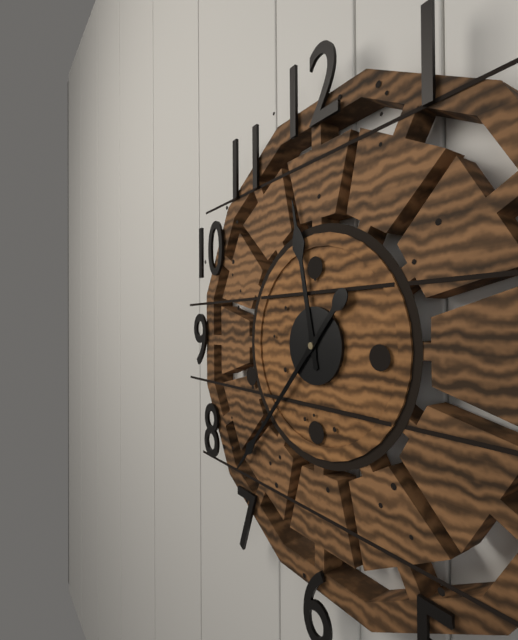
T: 11 h 37 min
